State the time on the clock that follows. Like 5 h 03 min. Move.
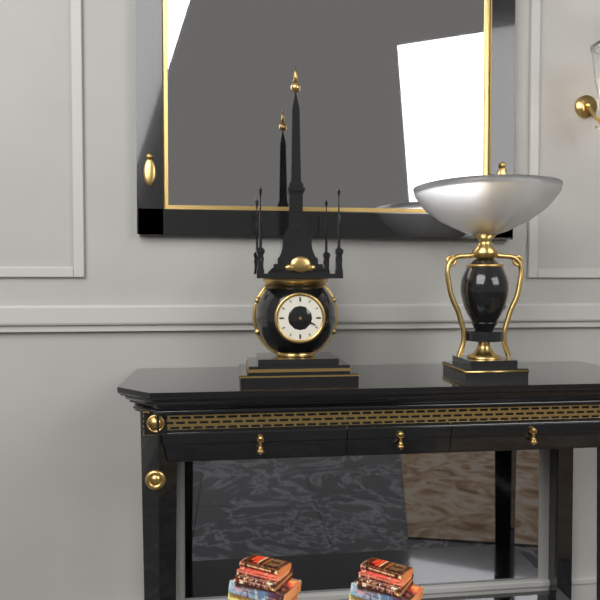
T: 5 h 19 min
